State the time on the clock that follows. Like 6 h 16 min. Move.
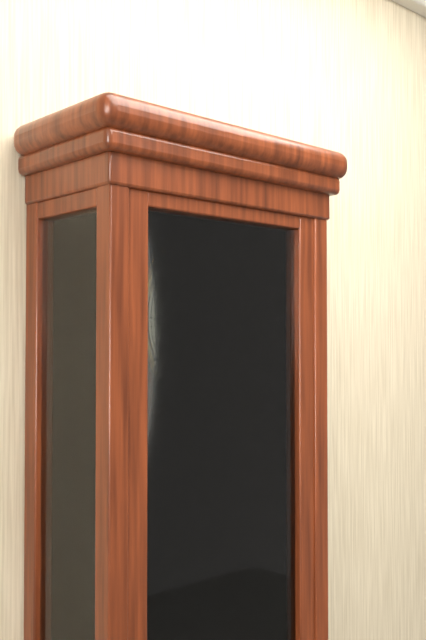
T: 3 h 55 min
